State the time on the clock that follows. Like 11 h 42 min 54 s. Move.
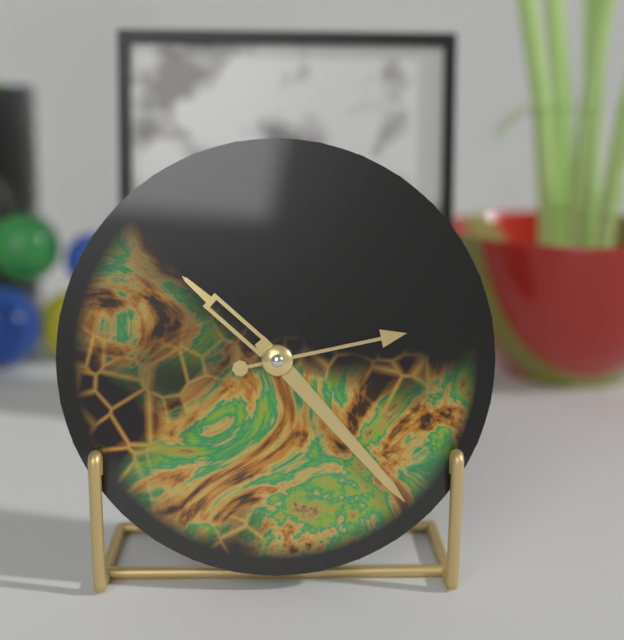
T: 10 h 23 min 13 s
